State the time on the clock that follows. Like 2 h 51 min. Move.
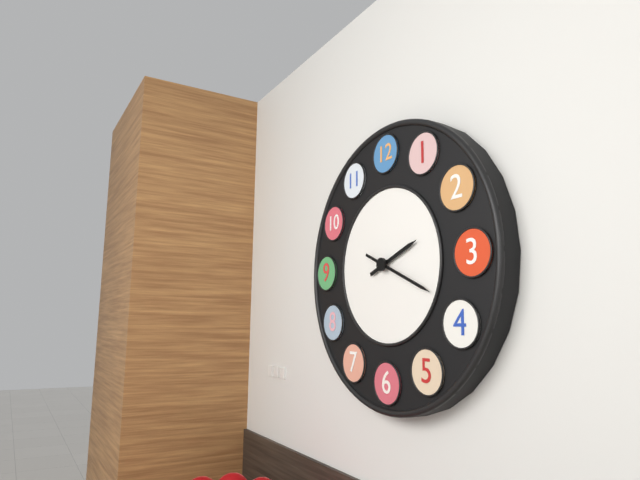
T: 2 h 19 min
